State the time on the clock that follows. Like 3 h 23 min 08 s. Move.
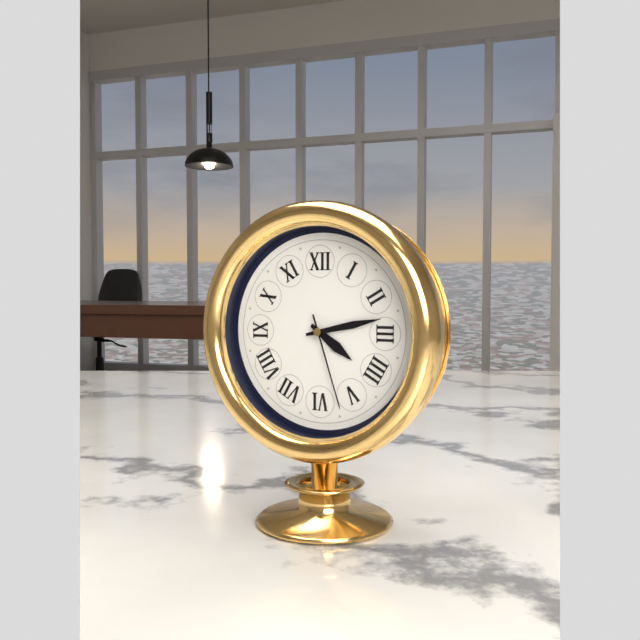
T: 4 h 13 min 27 s
